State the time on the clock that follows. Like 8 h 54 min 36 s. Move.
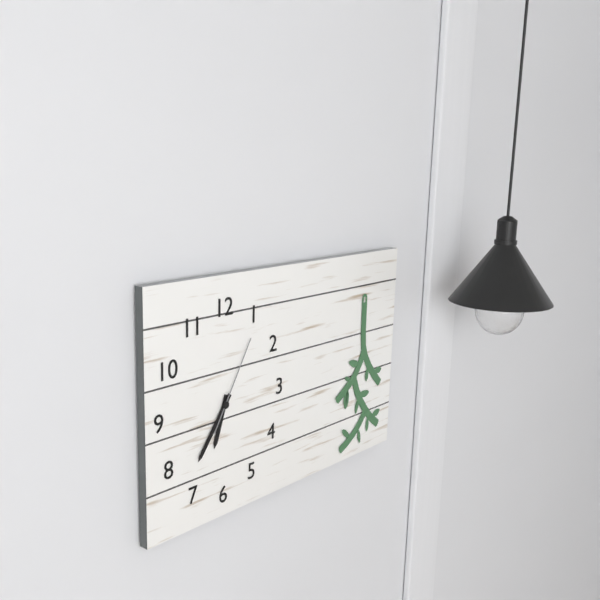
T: 6 h 36 min 05 s
